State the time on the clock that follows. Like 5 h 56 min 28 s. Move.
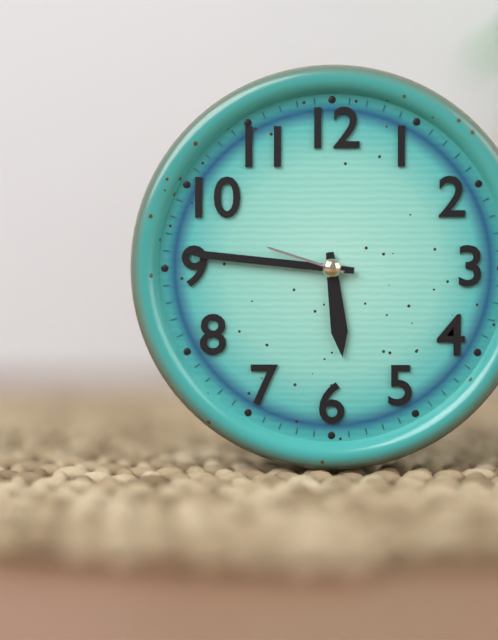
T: 5 h 46 min 48 s
